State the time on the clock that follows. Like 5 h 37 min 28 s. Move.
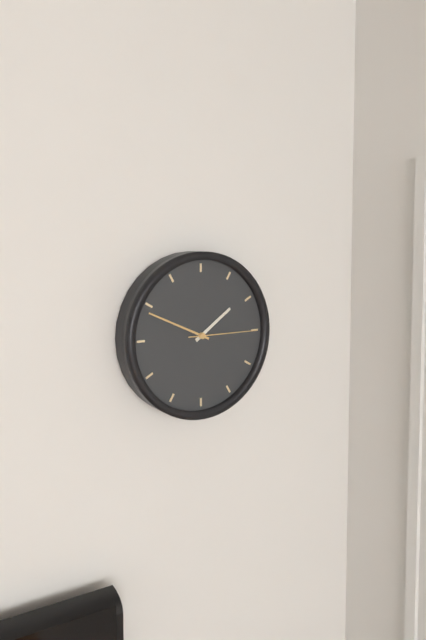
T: 1 h 49 min 15 s
